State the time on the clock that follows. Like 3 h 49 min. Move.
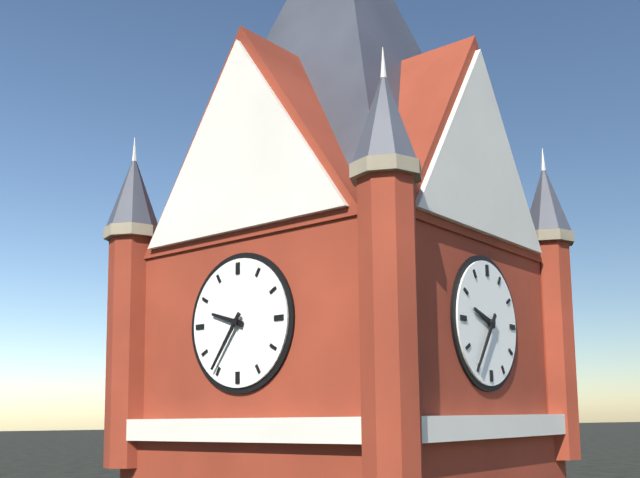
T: 9 h 36 min
